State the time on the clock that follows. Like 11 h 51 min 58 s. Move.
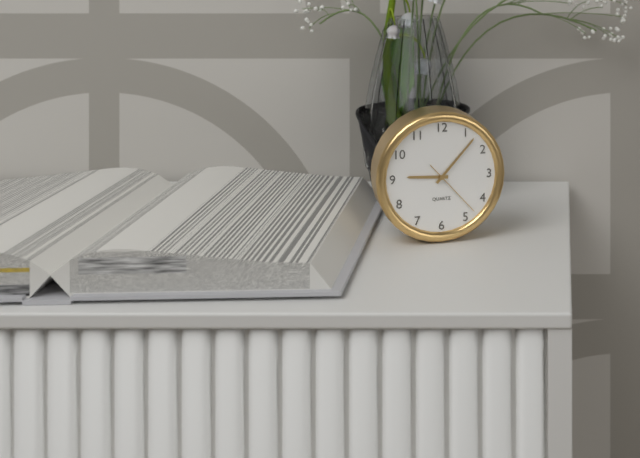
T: 9 h 07 min 23 s
